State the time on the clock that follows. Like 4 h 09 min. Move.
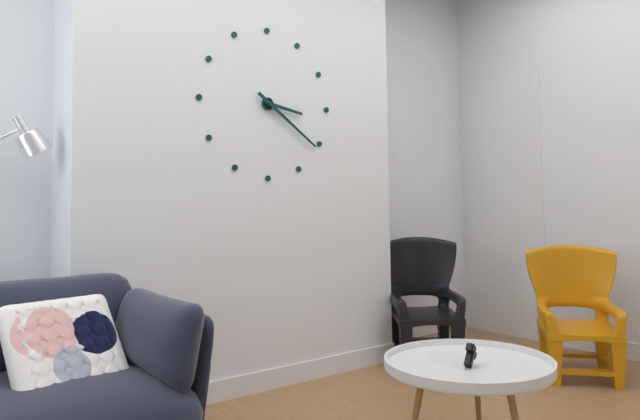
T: 3 h 21 min
